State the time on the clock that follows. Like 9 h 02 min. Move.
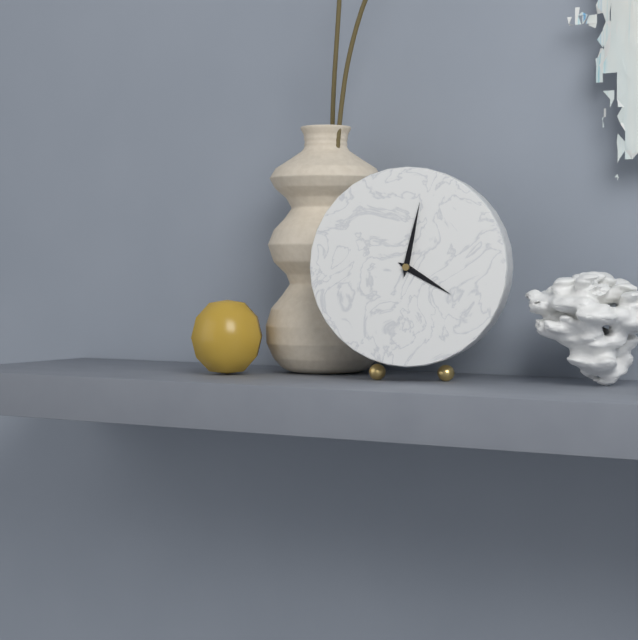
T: 4 h 02 min
